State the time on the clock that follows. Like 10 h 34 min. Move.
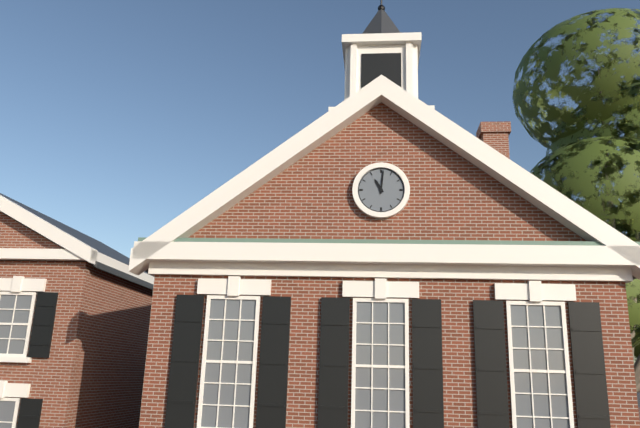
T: 11 h 01 min
